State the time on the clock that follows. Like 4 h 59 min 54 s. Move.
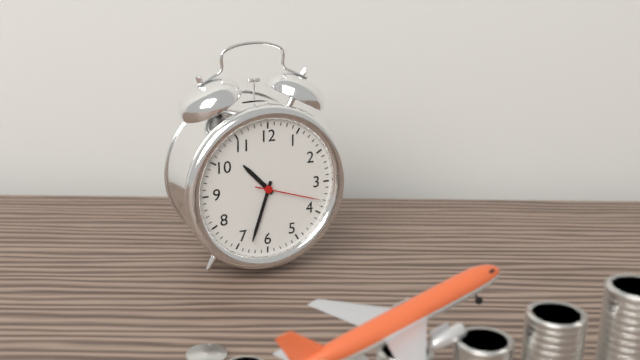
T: 10 h 33 min 18 s
